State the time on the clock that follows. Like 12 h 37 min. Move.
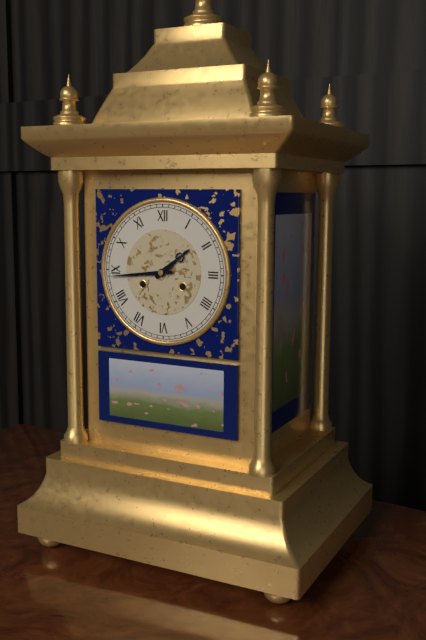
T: 1 h 44 min
